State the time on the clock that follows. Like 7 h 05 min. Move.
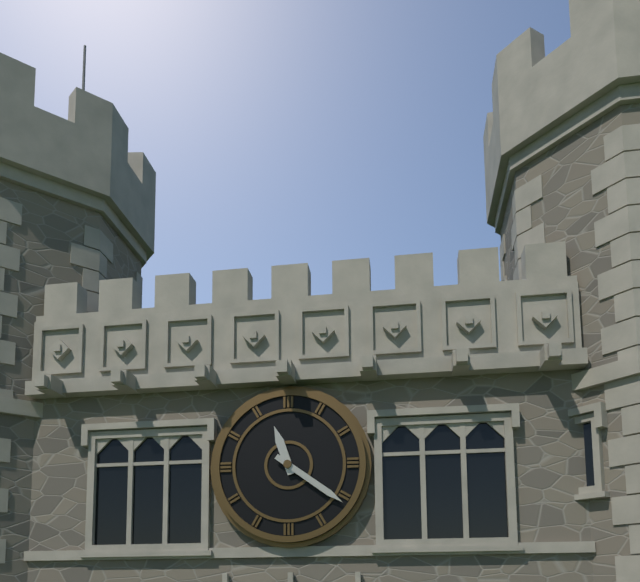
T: 11 h 21 min
